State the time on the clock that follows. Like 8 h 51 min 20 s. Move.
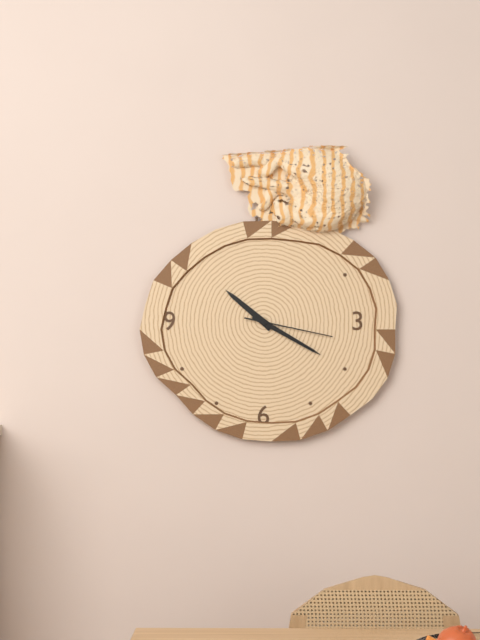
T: 10 h 20 min 17 s
